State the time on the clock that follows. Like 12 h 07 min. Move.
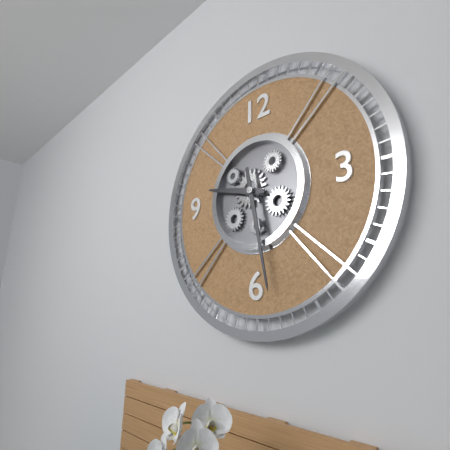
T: 9 h 28 min
